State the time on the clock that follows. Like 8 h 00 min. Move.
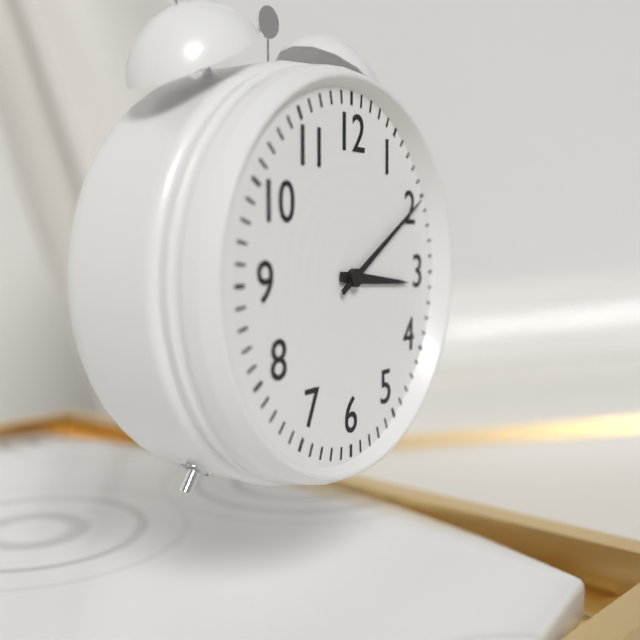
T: 3 h 10 min
